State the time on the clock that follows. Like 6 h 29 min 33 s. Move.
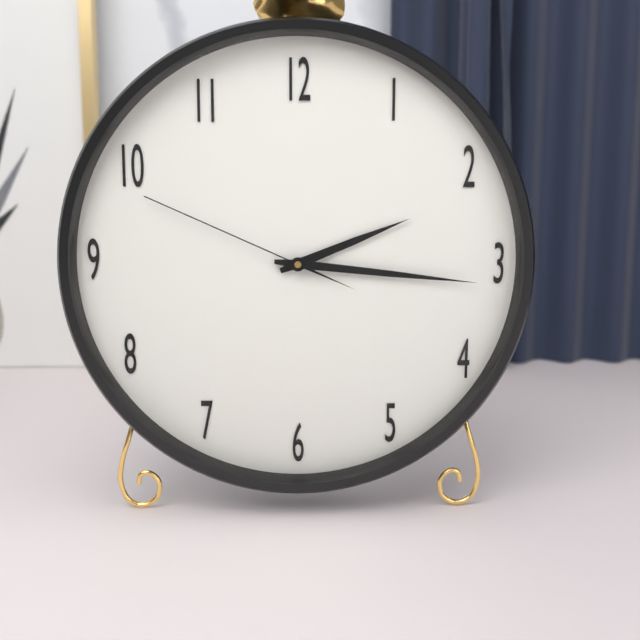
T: 2 h 16 min 49 s
